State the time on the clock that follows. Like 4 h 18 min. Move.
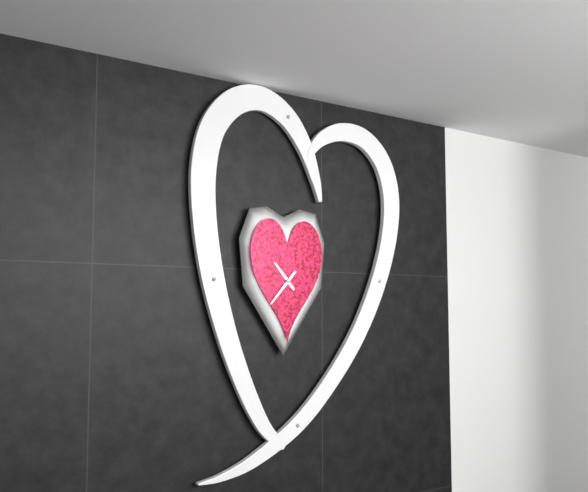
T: 10 h 37 min
